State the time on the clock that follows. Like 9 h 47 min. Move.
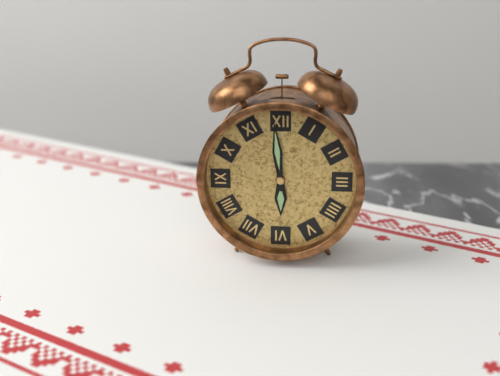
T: 5 h 59 min
